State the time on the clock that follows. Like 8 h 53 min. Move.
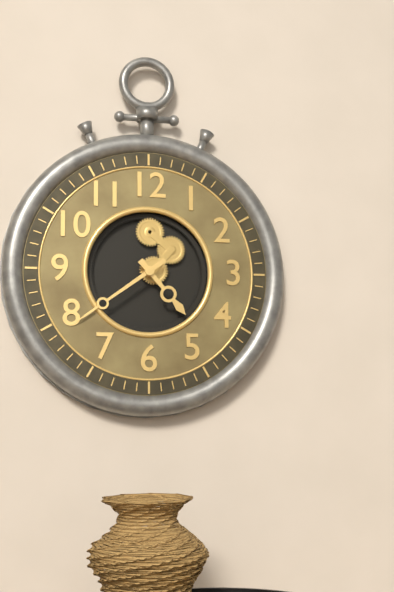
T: 4 h 39 min
